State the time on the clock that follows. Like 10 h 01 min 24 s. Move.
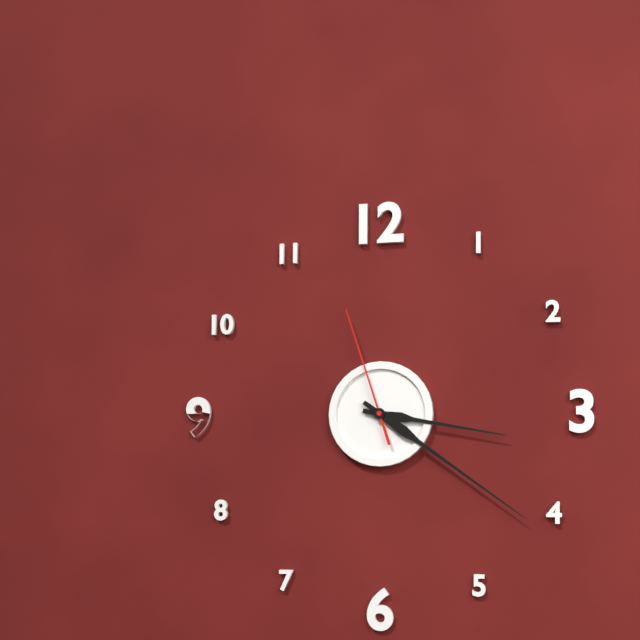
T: 3 h 21 min 57 s
